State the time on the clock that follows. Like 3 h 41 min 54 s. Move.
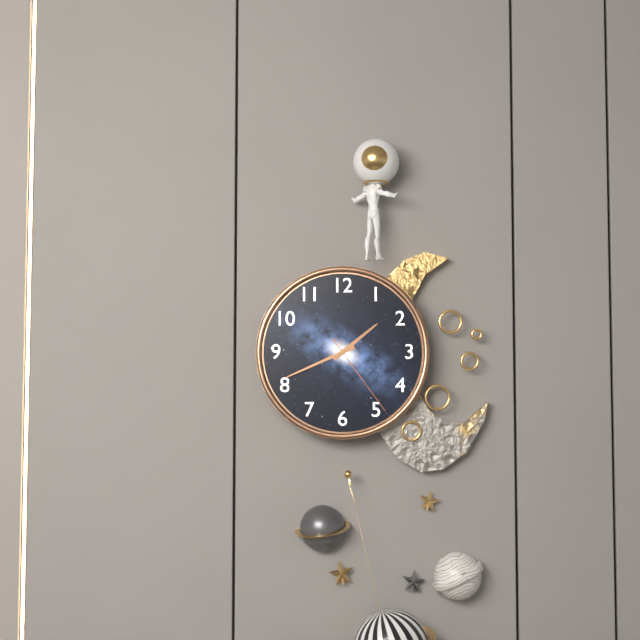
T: 1 h 41 min 24 s
